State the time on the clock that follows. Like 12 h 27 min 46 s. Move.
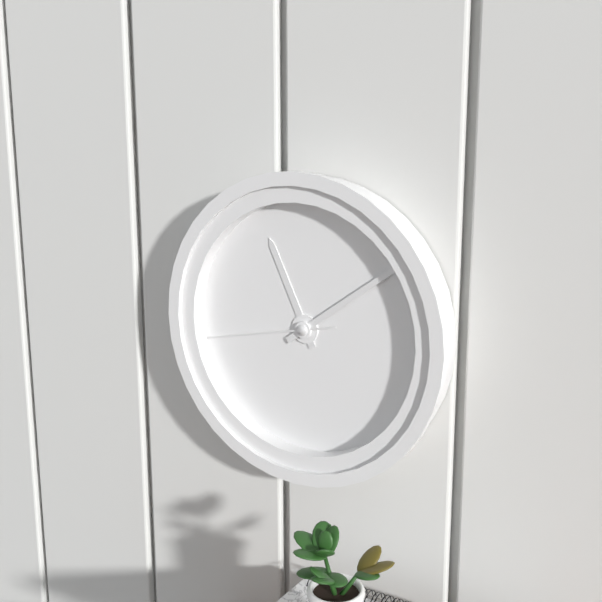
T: 11 h 09 min 43 s
